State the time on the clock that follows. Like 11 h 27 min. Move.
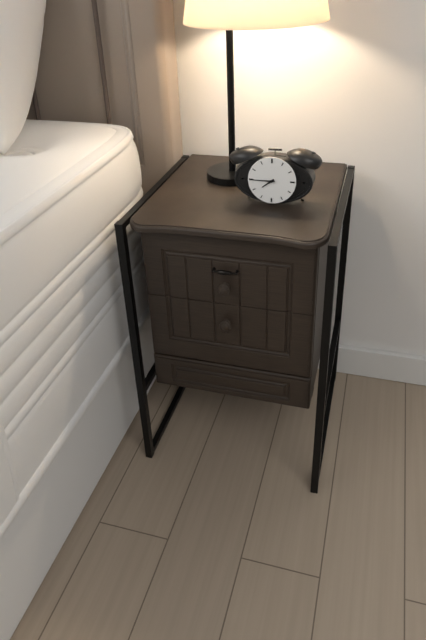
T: 7 h 45 min
